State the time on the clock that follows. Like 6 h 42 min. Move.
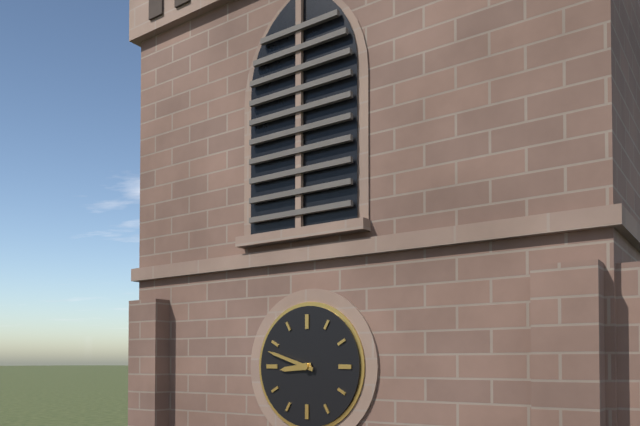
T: 8 h 48 min
